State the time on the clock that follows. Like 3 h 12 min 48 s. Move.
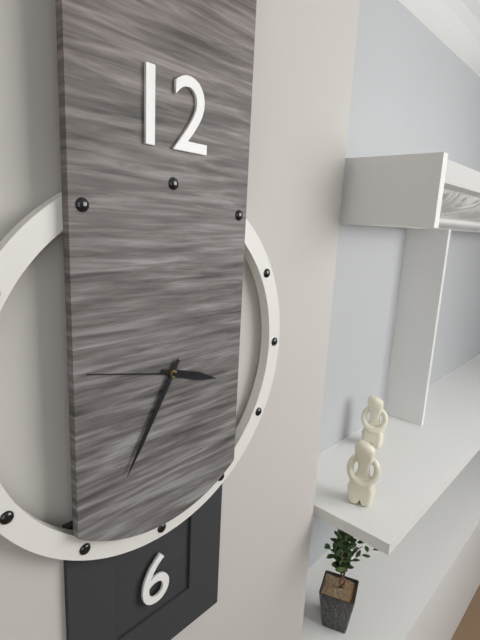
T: 3 h 35 min 47 s
